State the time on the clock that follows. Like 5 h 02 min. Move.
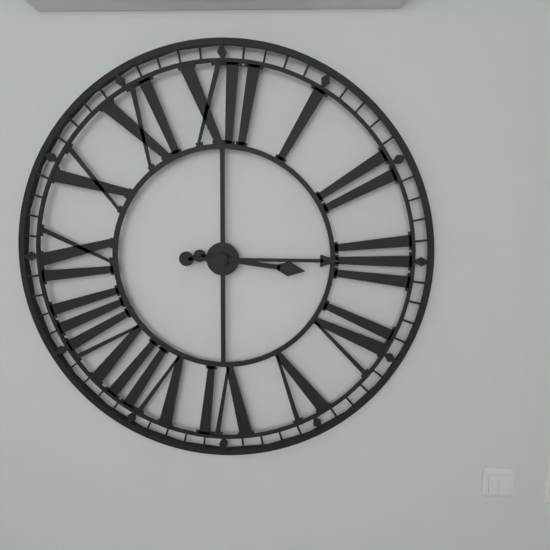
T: 3 h 15 min
